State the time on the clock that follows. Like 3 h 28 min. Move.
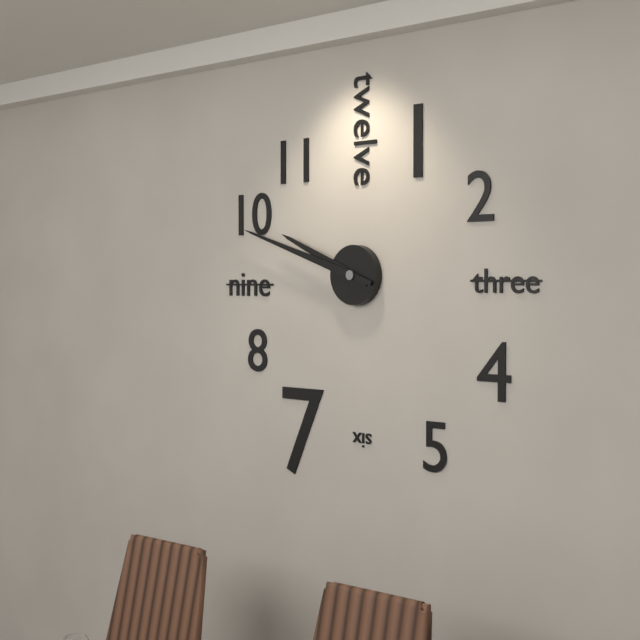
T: 9 h 48 min
